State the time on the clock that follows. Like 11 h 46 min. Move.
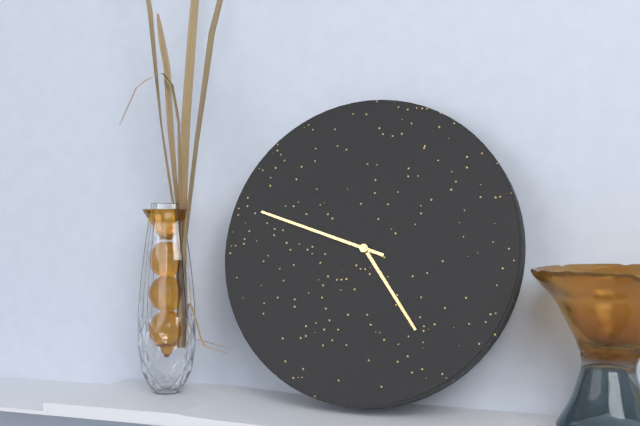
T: 4 h 48 min
